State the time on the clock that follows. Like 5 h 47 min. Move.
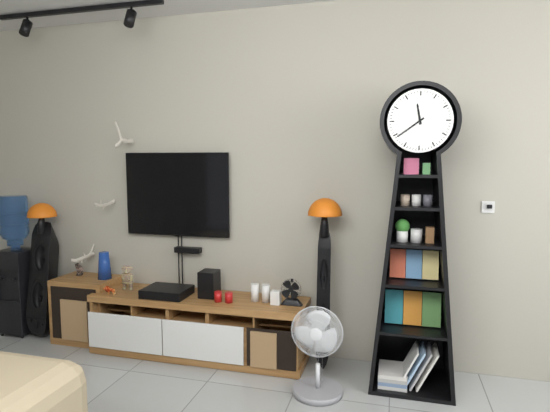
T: 11 h 39 min
